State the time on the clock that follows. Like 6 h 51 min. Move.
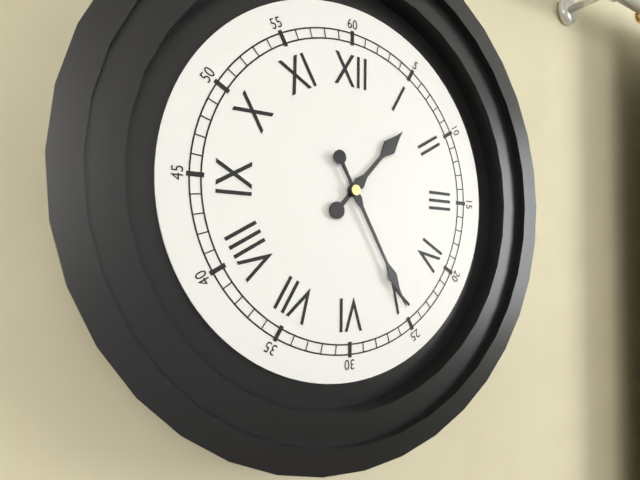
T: 1 h 25 min
